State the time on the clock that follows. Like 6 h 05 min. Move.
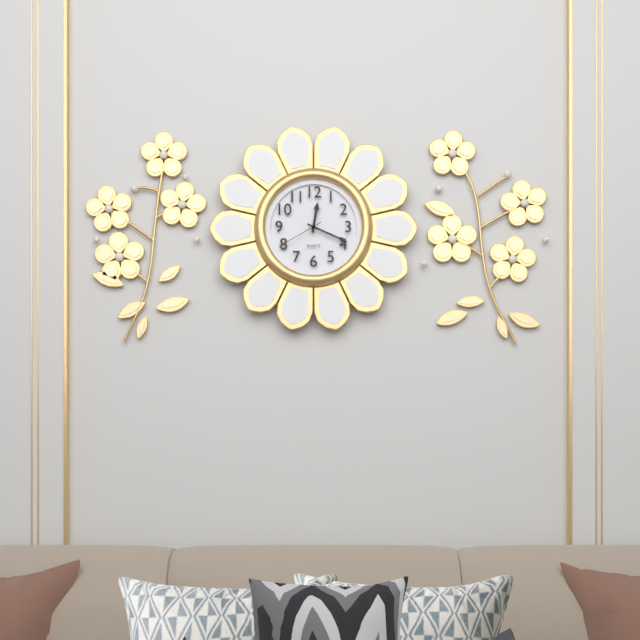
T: 12 h 19 min
